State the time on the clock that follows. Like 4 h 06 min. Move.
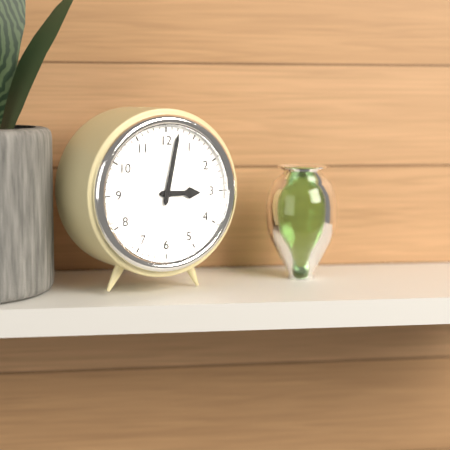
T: 3 h 02 min
